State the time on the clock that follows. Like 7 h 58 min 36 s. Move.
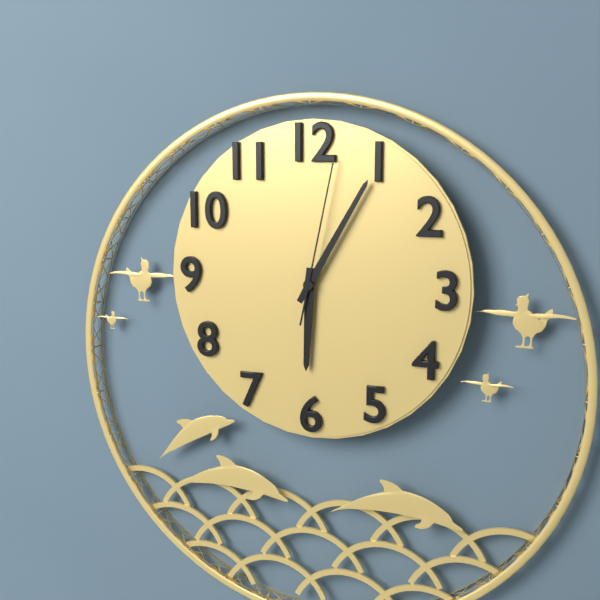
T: 6 h 05 min 02 s
